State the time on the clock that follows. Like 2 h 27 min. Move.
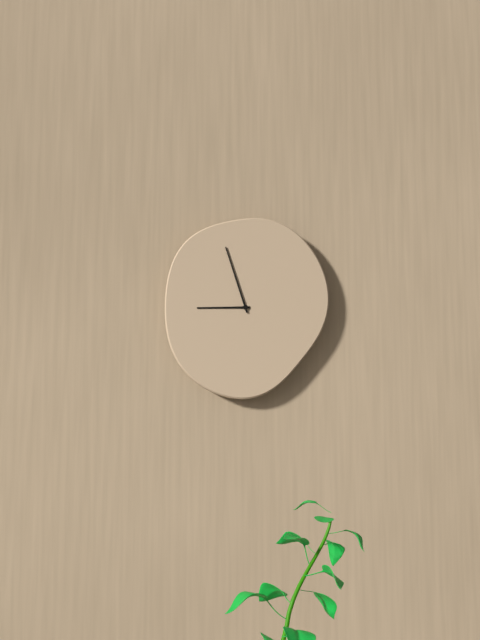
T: 8 h 57 min
